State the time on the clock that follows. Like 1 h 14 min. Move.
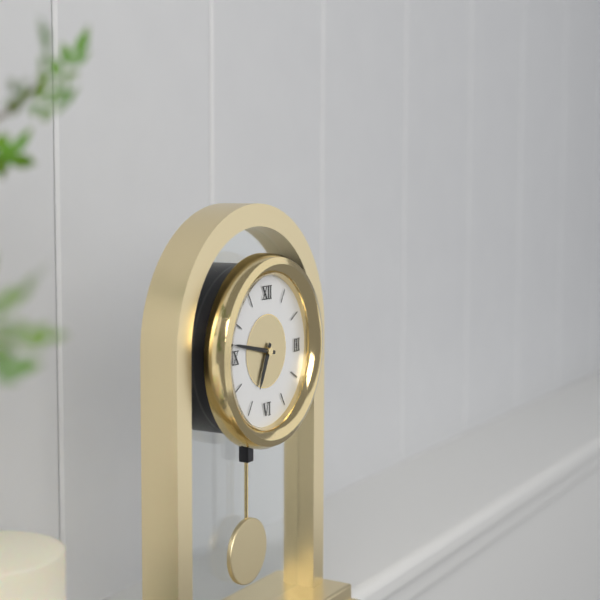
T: 6 h 47 min
